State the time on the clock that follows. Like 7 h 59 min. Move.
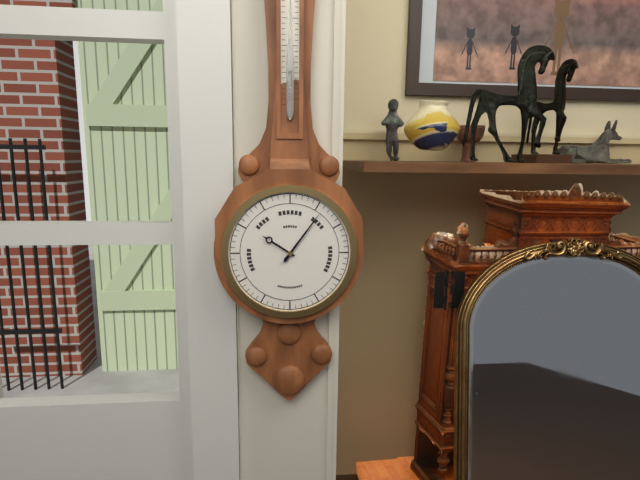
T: 10 h 06 min
